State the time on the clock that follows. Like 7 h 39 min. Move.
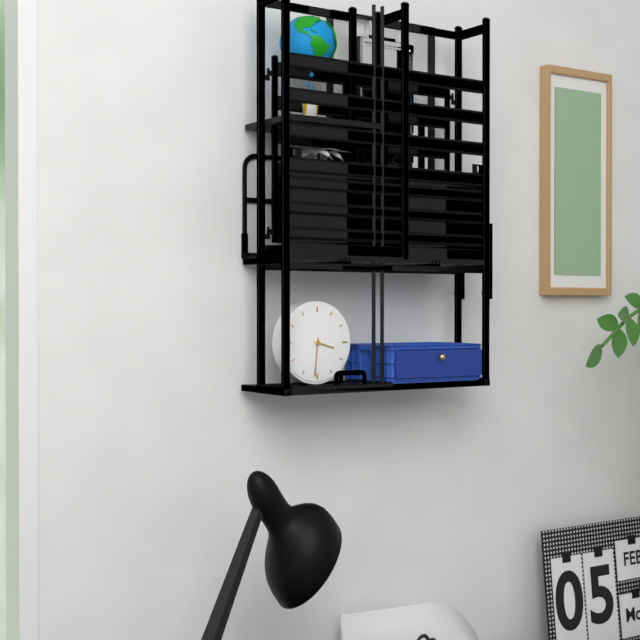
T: 3 h 31 min
